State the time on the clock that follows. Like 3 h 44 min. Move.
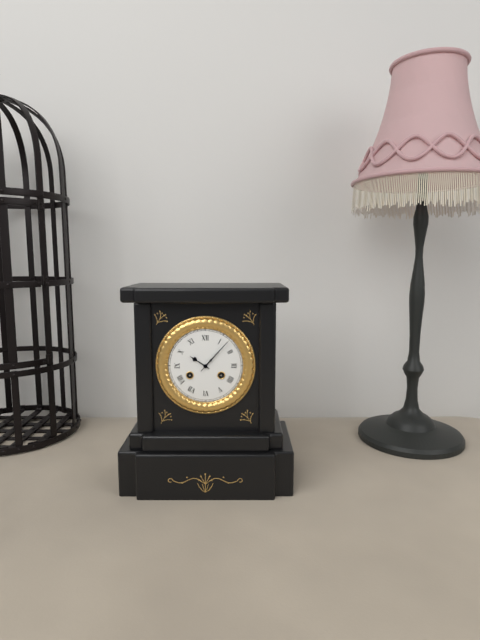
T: 10 h 07 min
